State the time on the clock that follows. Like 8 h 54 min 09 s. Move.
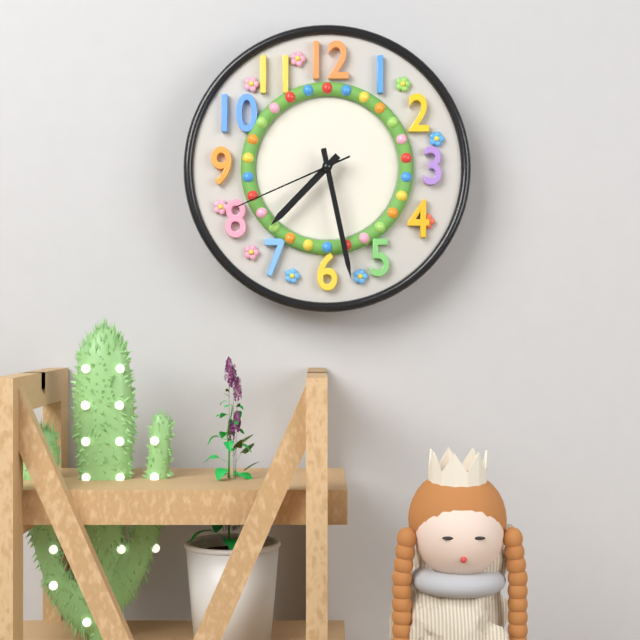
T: 7 h 28 min 41 s
